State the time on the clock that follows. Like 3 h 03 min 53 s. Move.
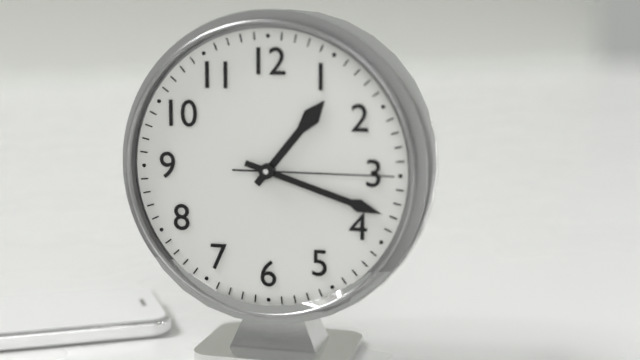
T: 1 h 18 min 15 s
